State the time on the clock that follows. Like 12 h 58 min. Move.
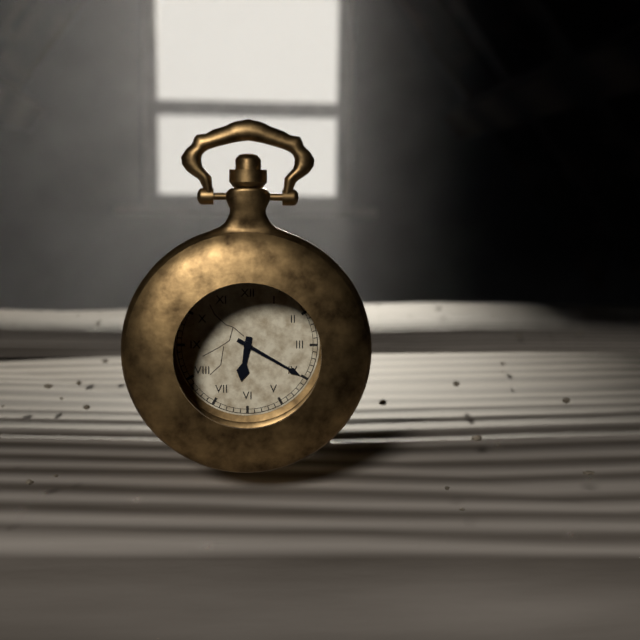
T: 6 h 20 min
